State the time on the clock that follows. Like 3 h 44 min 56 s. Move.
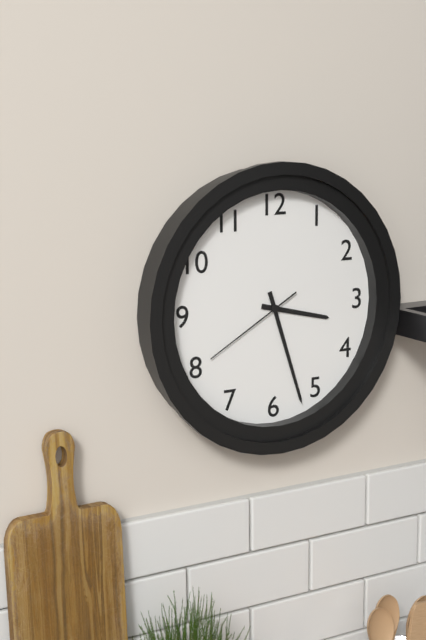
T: 3 h 27 min 40 s
